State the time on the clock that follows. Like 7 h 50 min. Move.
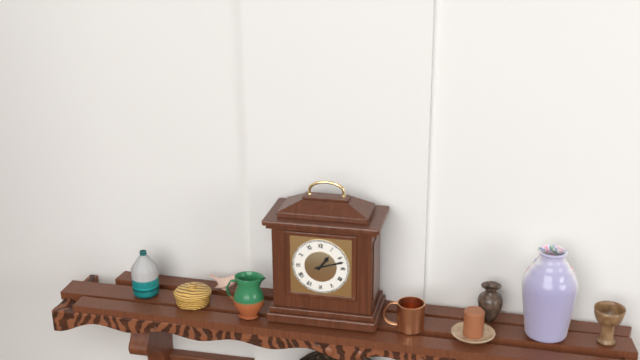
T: 1 h 12 min
